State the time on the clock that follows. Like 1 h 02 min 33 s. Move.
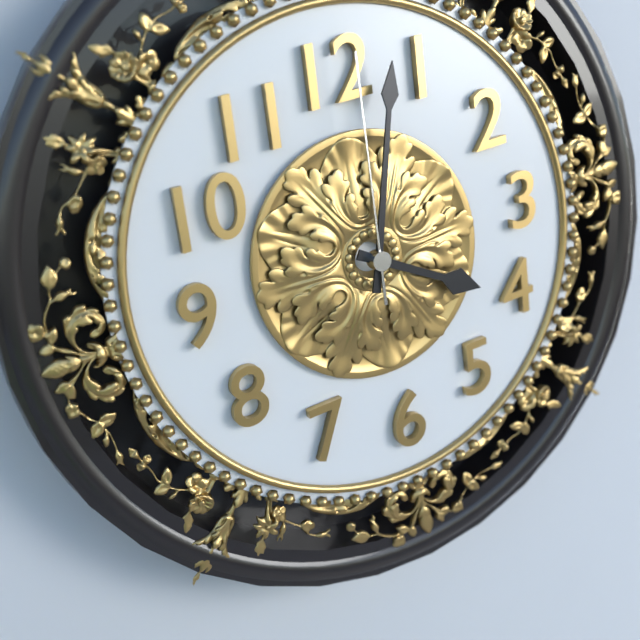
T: 4 h 03 min 01 s
